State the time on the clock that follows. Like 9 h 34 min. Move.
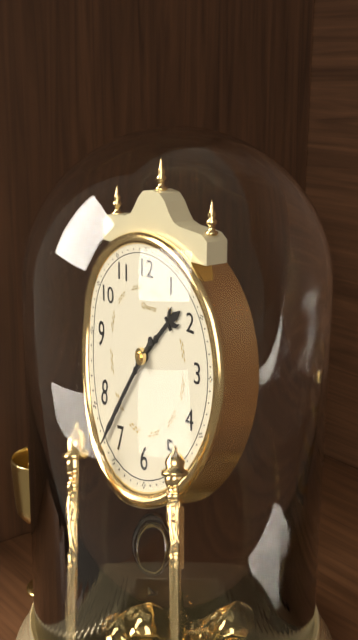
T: 1 h 37 min
